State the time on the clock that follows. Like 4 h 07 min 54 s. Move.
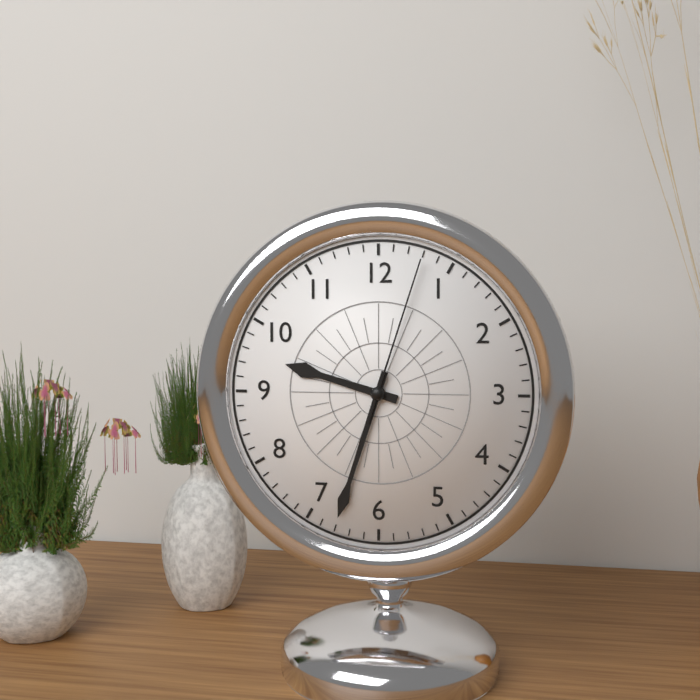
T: 9 h 33 min 03 s
